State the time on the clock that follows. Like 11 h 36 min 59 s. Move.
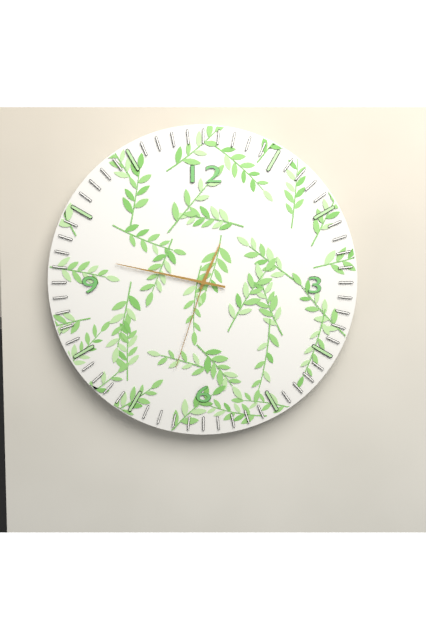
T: 12 h 47 min 33 s
